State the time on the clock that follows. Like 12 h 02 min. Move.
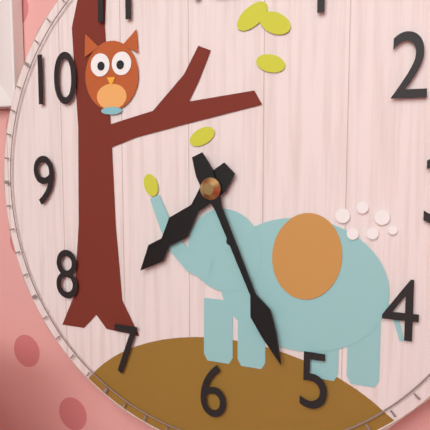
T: 7 h 26 min
